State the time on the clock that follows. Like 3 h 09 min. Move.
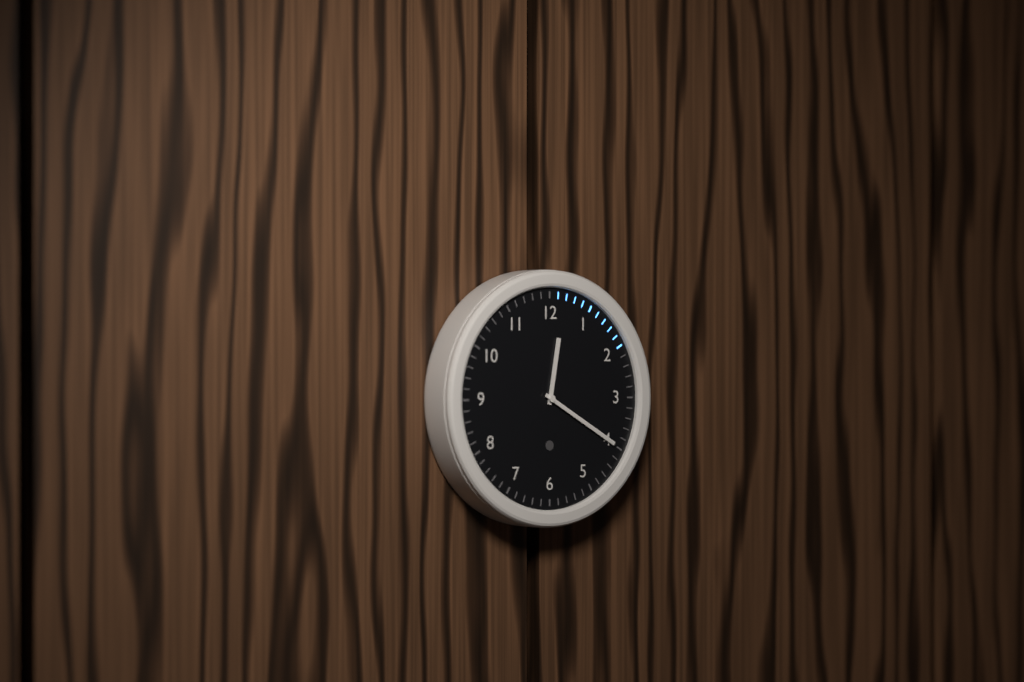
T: 12 h 20 min
